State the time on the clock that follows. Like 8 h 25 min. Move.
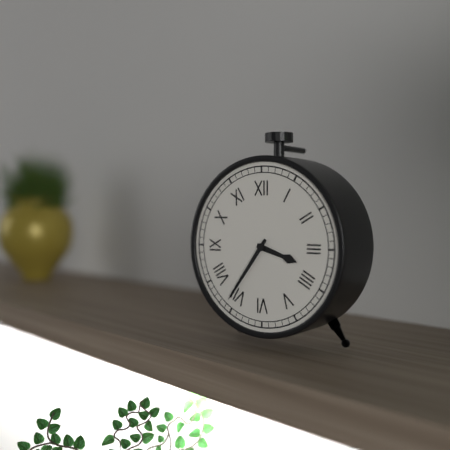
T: 3 h 36 min
